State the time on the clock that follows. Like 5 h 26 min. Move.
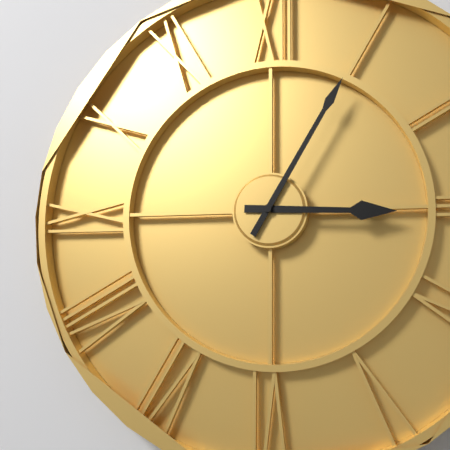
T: 3 h 05 min
